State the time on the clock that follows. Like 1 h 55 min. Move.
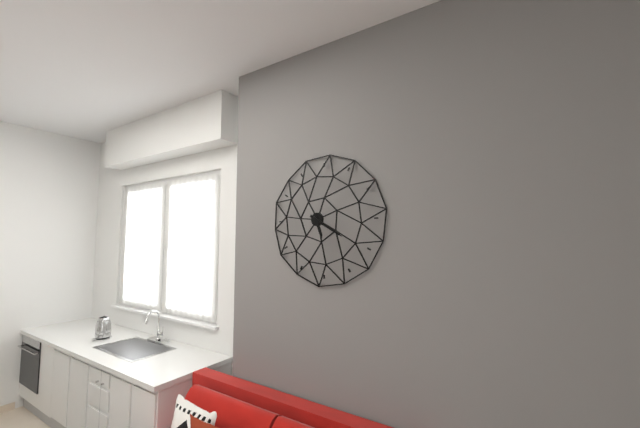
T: 5 h 20 min
